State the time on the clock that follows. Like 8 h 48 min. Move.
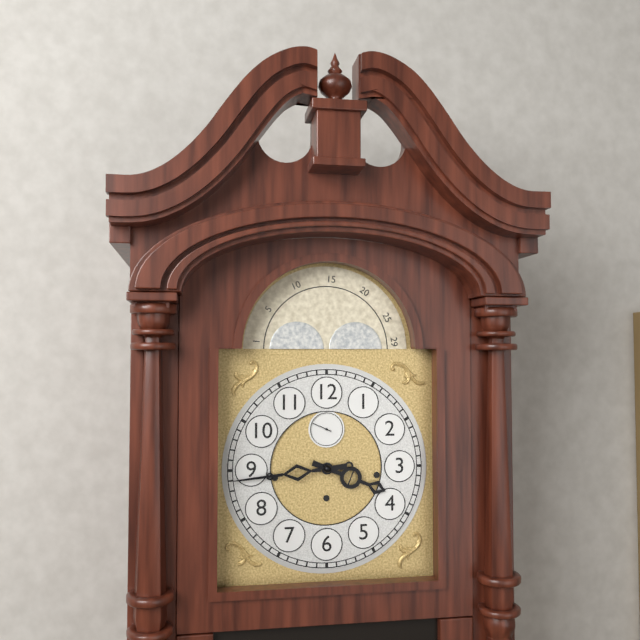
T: 3 h 44 min
